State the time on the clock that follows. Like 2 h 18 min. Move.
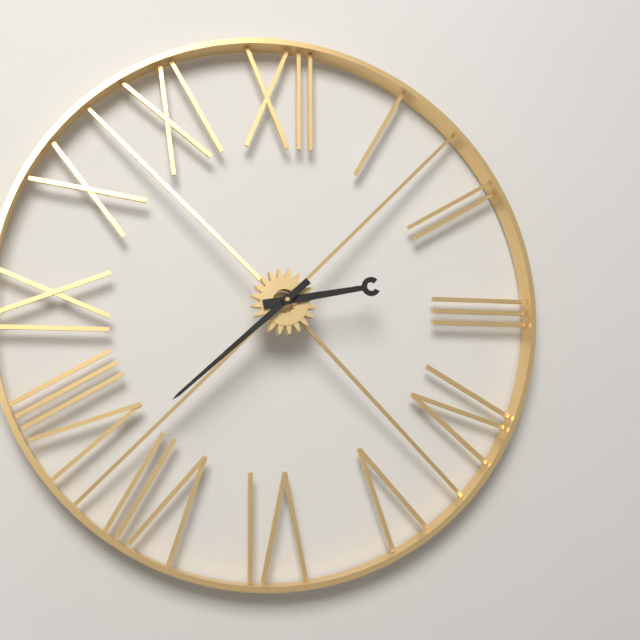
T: 2 h 38 min
